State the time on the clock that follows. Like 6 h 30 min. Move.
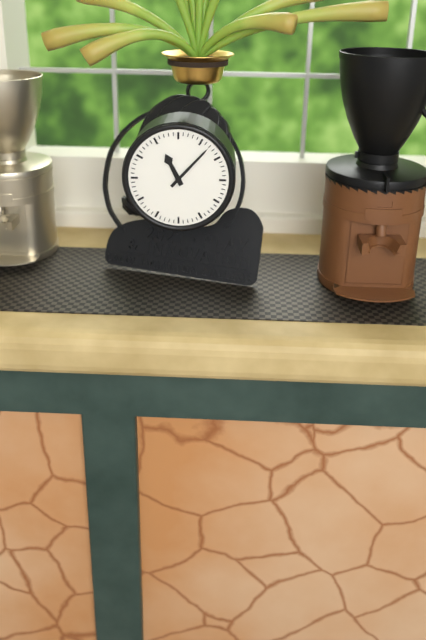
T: 11 h 07 min
